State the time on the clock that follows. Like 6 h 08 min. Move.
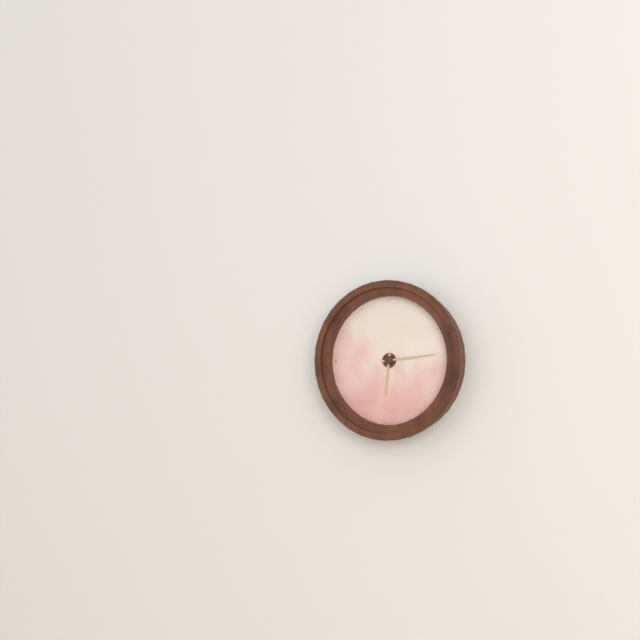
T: 6 h 14 min
